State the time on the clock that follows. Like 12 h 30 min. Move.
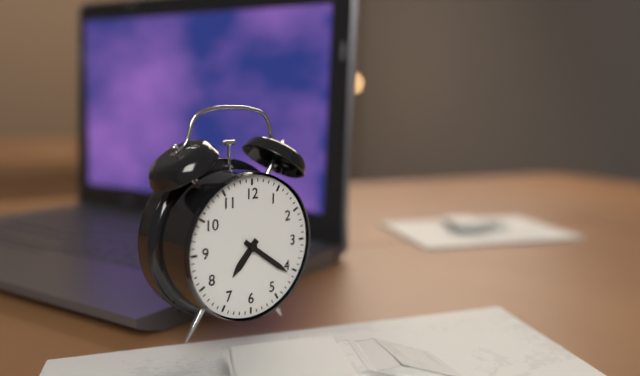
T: 7 h 21 min
